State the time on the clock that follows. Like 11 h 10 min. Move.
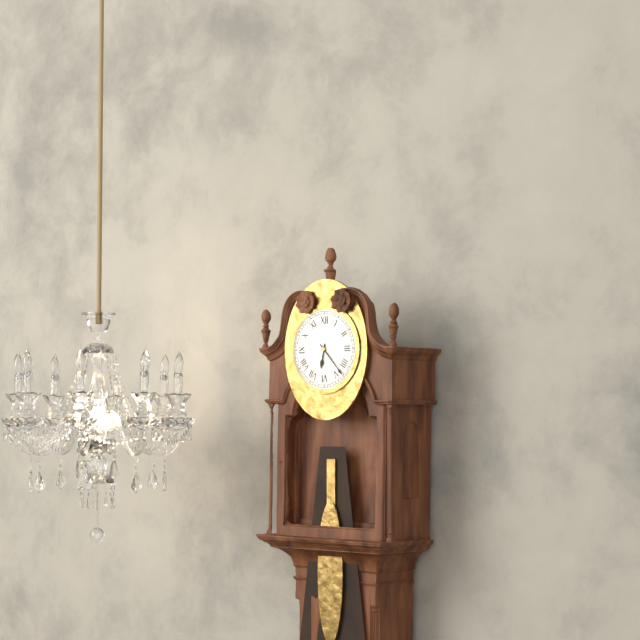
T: 6 h 23 min
